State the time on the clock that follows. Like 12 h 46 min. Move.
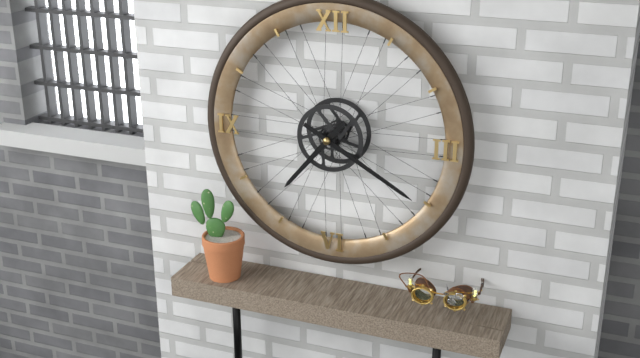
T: 7 h 20 min
